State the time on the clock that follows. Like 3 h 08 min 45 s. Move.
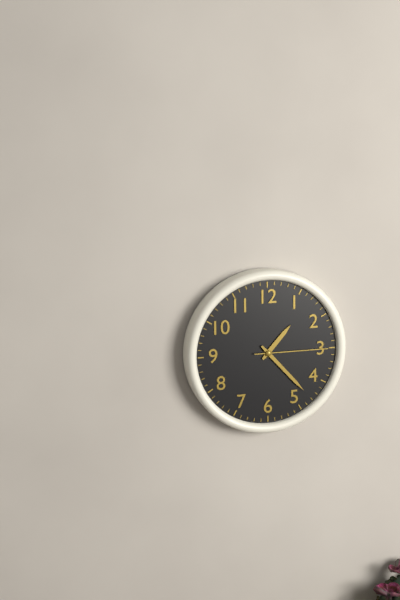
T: 1 h 23 min 15 s
